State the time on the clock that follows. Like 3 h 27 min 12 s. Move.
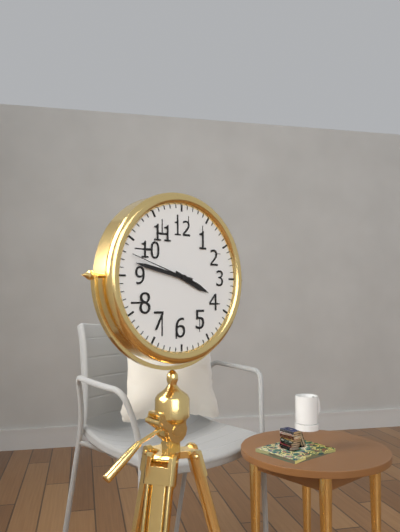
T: 3 h 47 min 48 s
